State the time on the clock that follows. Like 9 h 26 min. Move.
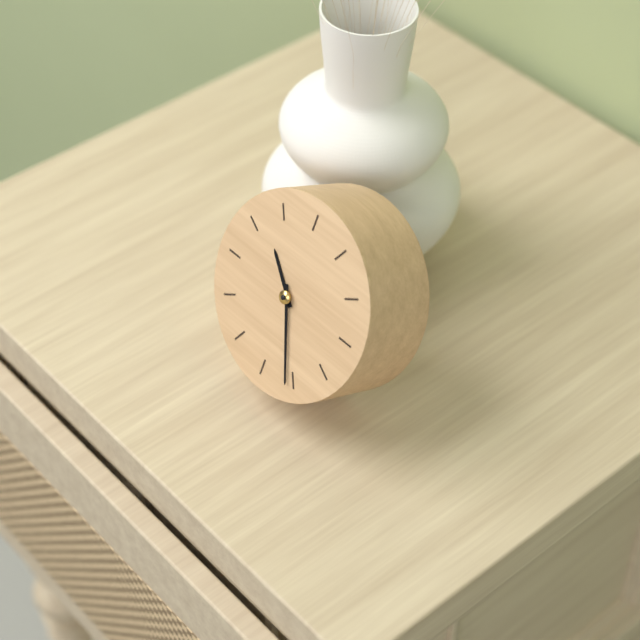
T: 10 h 26 min
